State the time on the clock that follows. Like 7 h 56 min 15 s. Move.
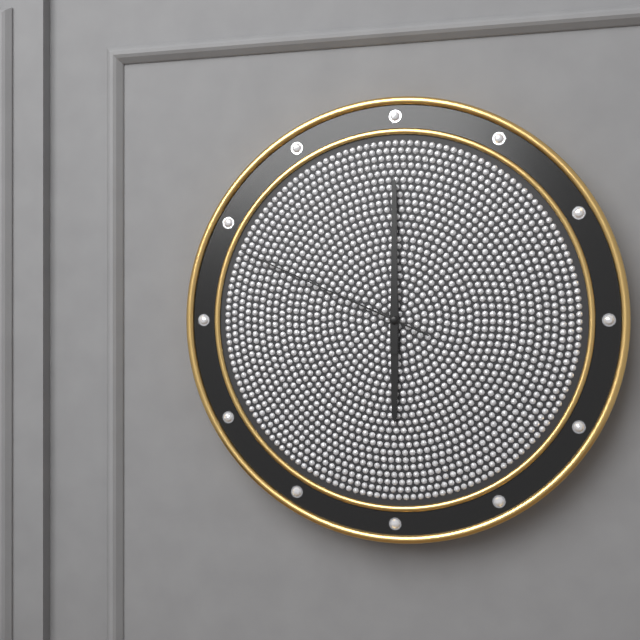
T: 6 h 00 min 49 s
